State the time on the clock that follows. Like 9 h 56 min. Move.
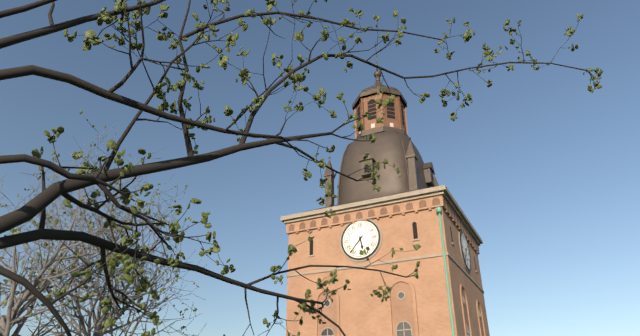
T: 5 h 37 min
